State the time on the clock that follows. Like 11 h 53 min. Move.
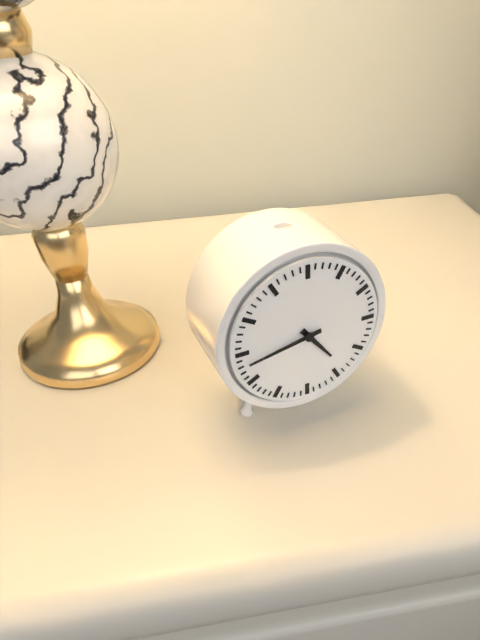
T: 4 h 43 min
